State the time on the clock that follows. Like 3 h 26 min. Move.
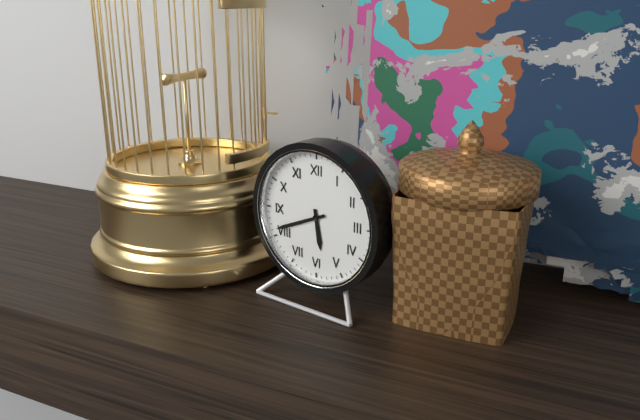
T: 5 h 41 min
